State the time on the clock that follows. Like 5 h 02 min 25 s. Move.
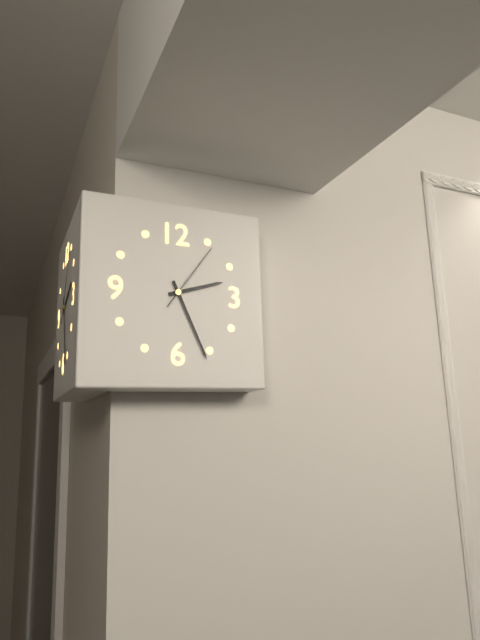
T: 2 h 26 min 06 s
